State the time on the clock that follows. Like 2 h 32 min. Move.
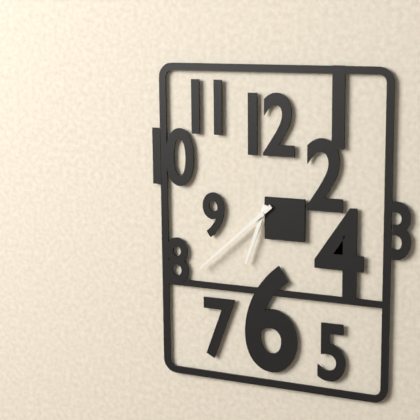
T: 6 h 38 min
